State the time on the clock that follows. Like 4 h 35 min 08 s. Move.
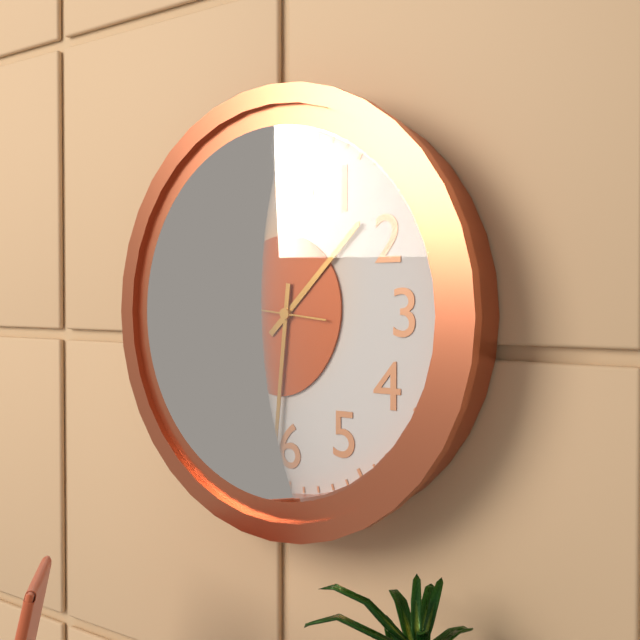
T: 1 h 31 min 46 s
